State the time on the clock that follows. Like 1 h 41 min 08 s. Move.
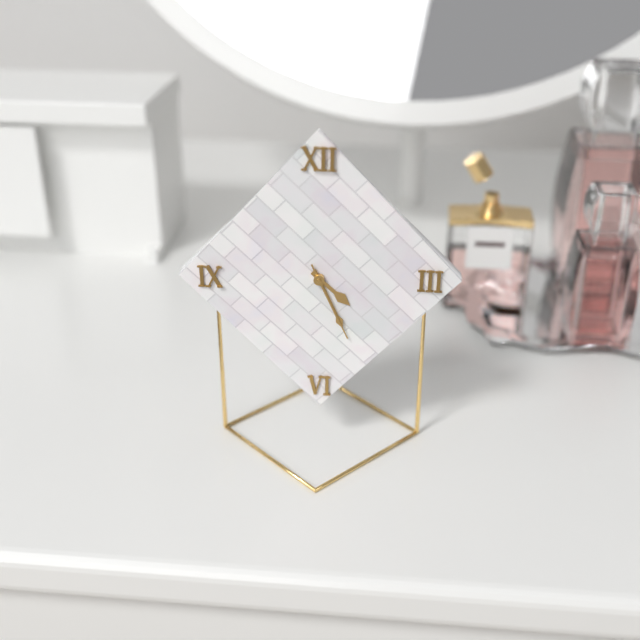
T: 4 h 26 min 26 s
